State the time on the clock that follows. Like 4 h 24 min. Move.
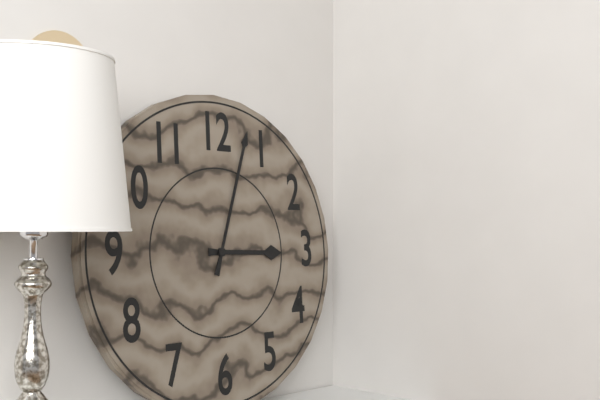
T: 3 h 03 min
